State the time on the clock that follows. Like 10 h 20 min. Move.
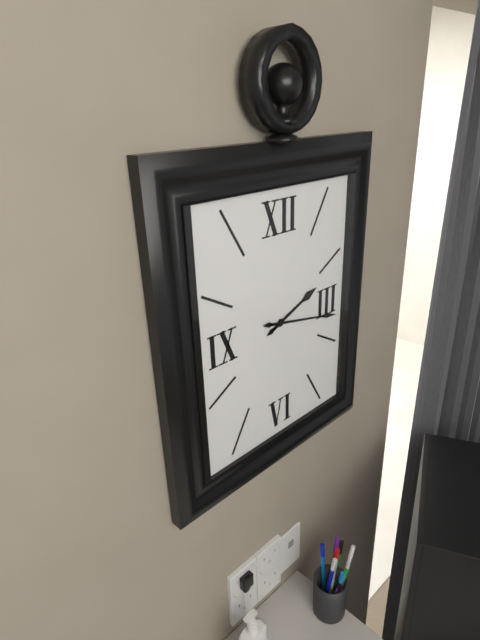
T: 2 h 17 min
